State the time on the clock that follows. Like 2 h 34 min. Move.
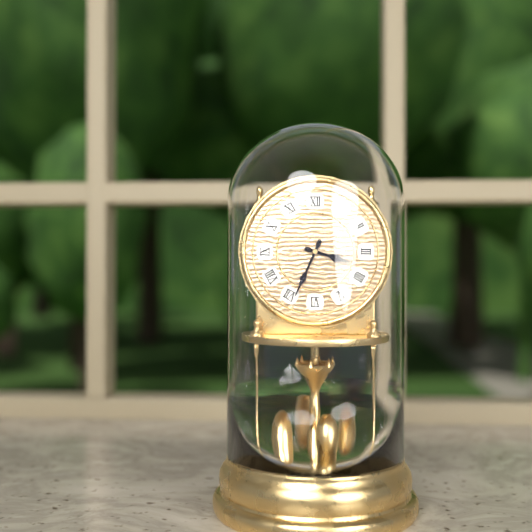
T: 3 h 34 min
